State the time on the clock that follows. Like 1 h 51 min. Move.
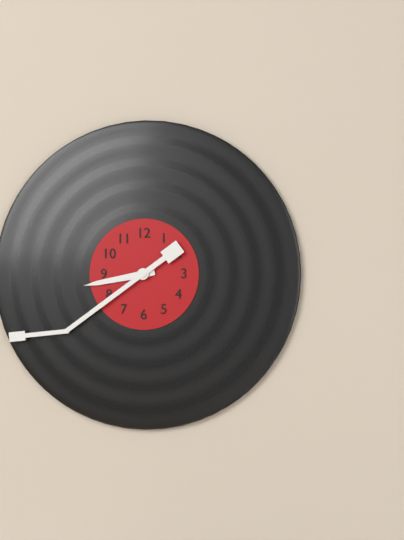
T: 8 h 39 min
